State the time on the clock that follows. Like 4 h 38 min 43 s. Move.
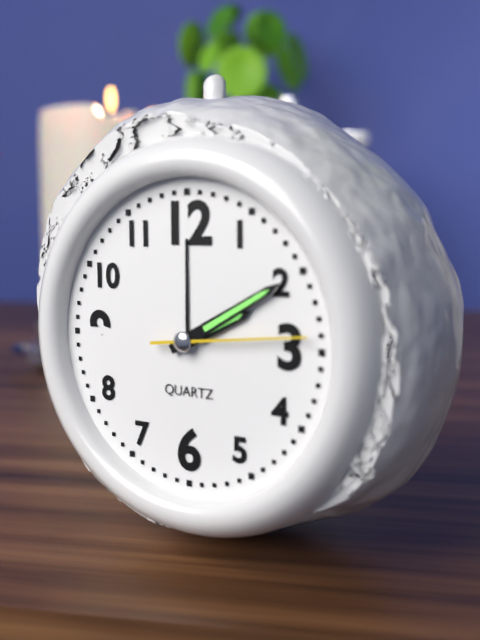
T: 2 h 10 min 14 s
